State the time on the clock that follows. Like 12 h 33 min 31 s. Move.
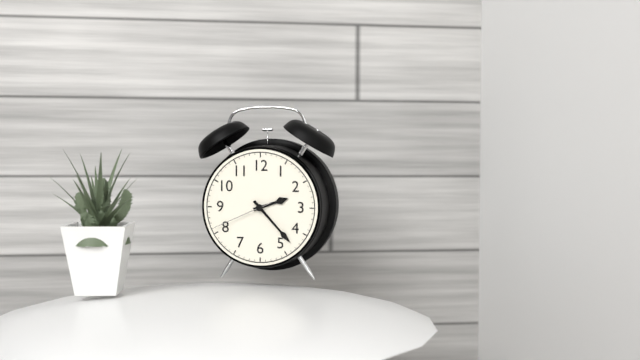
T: 2 h 23 min 41 s
